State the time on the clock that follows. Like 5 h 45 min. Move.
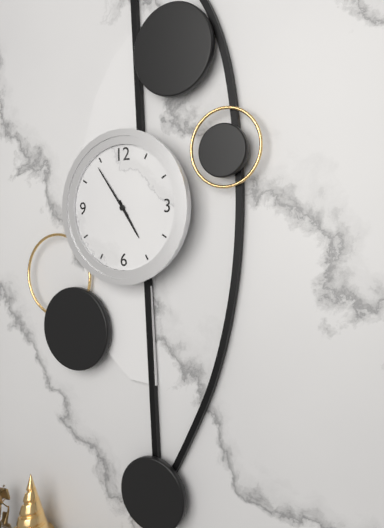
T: 4 h 54 min
